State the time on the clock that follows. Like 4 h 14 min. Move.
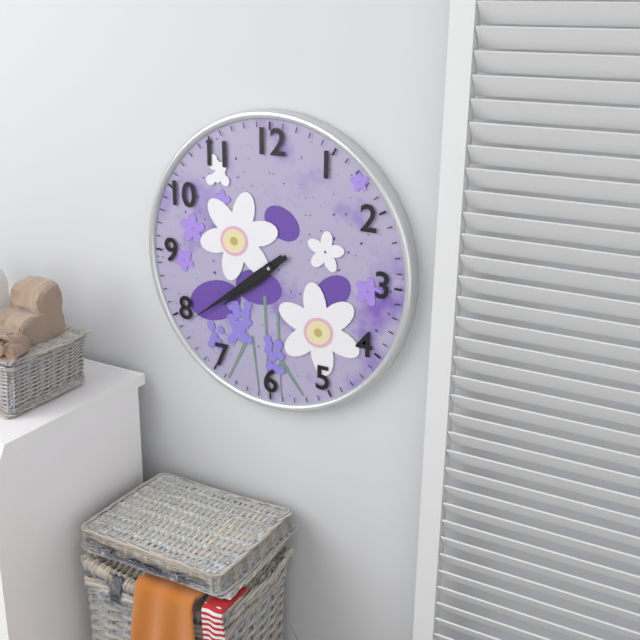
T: 7 h 39 min
